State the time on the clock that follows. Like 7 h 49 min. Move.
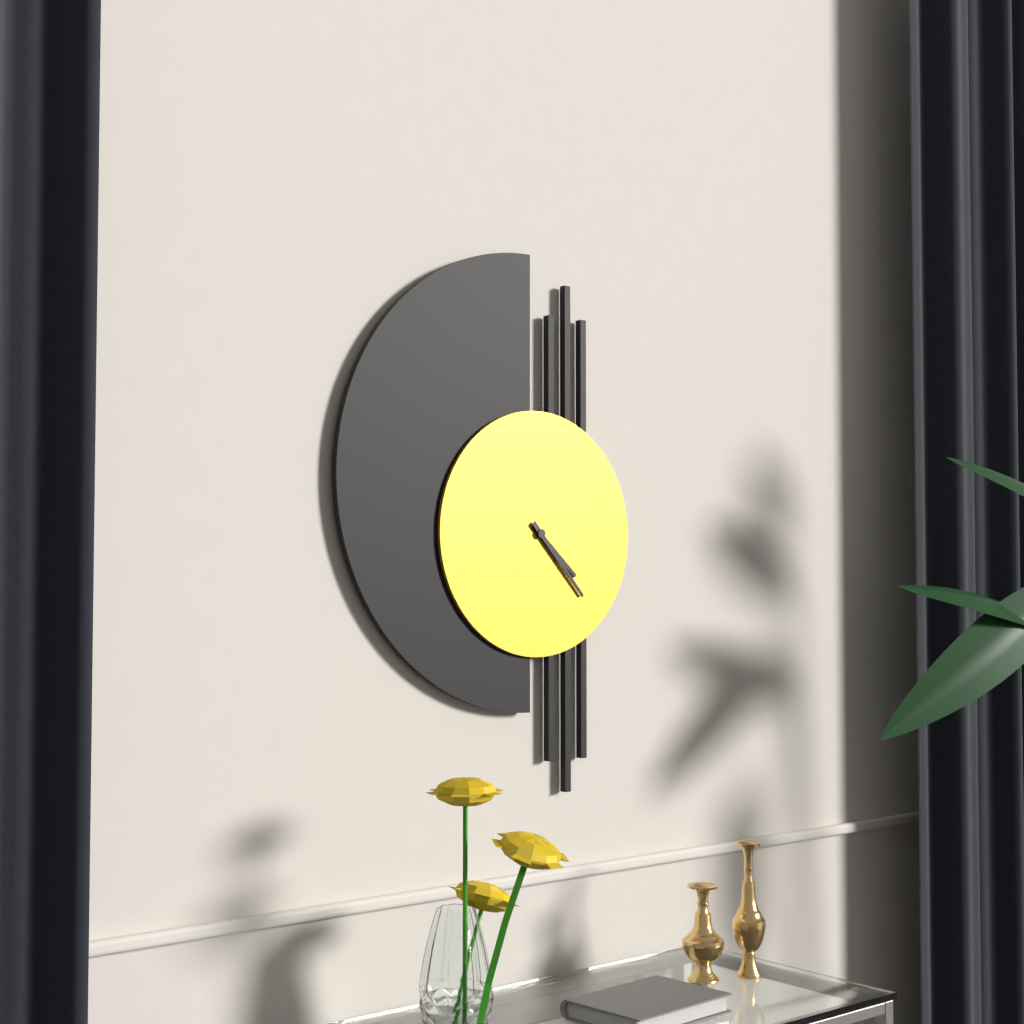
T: 4 h 23 min
